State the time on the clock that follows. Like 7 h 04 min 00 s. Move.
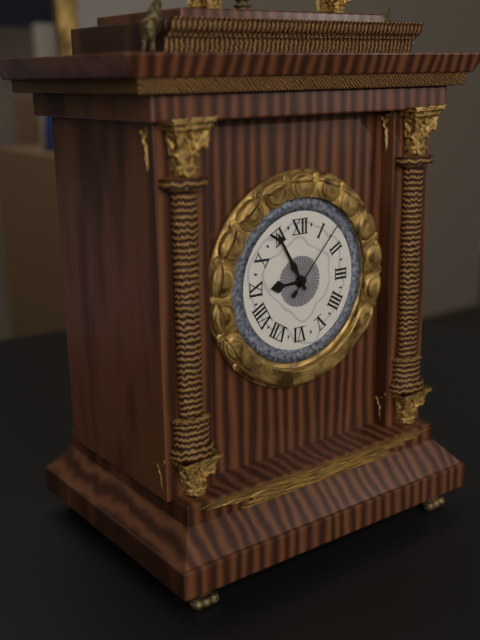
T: 8 h 55 min 07 s
